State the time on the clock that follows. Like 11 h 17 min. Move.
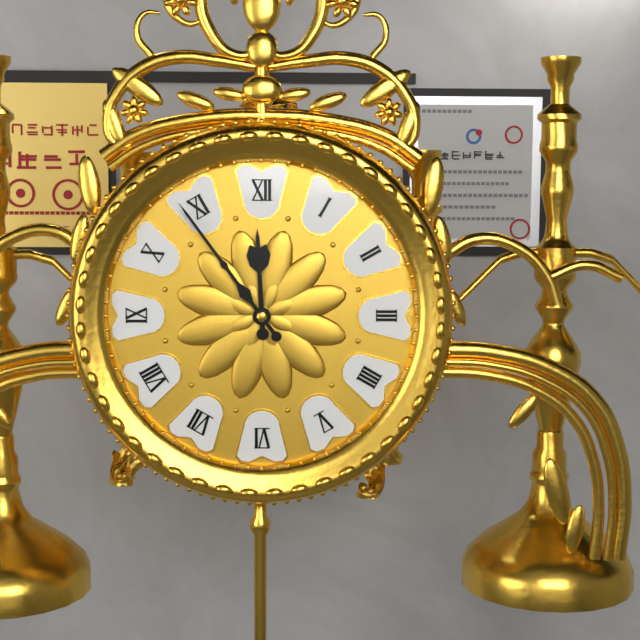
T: 11 h 54 min
